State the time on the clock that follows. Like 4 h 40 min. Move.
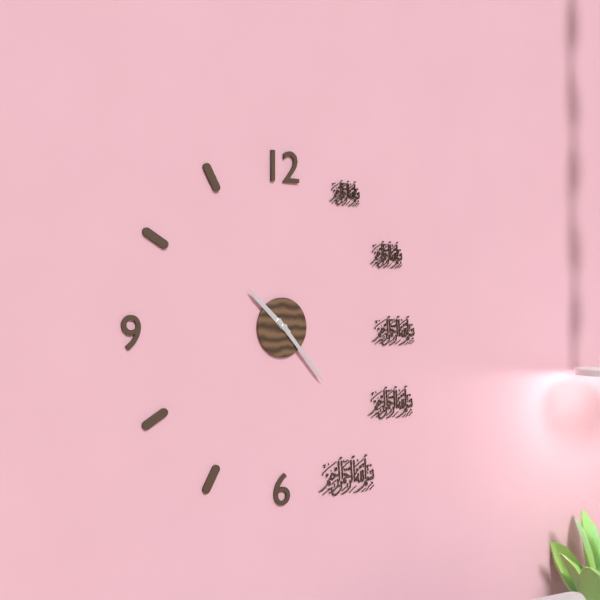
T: 10 h 23 min
